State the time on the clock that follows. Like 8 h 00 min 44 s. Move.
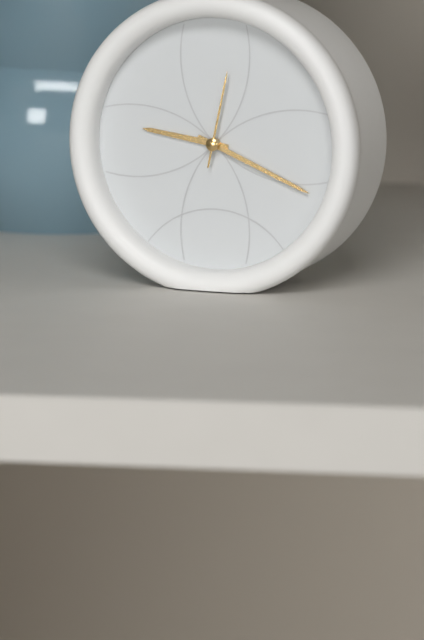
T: 9 h 19 min 02 s
